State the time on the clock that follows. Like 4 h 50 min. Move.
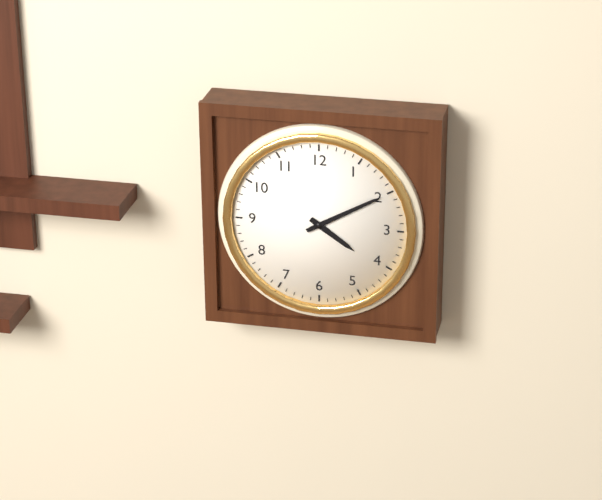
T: 4 h 10 min
